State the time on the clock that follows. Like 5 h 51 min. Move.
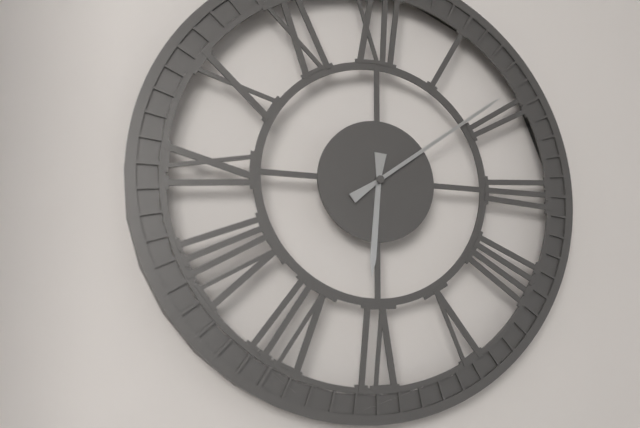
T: 6 h 09 min
